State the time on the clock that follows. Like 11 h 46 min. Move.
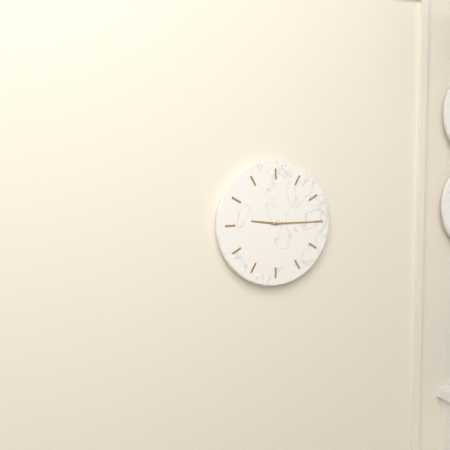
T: 9 h 15 min
